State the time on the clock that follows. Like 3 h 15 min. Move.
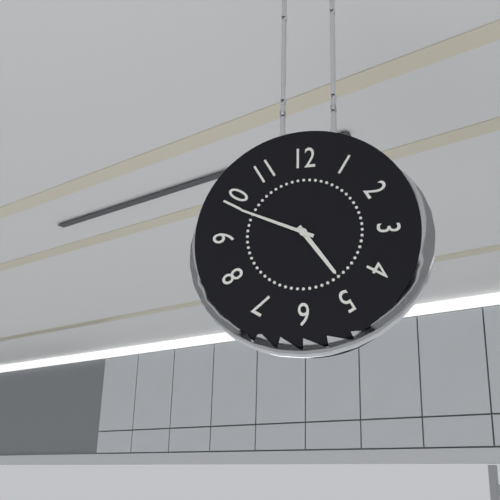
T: 4 h 49 min
